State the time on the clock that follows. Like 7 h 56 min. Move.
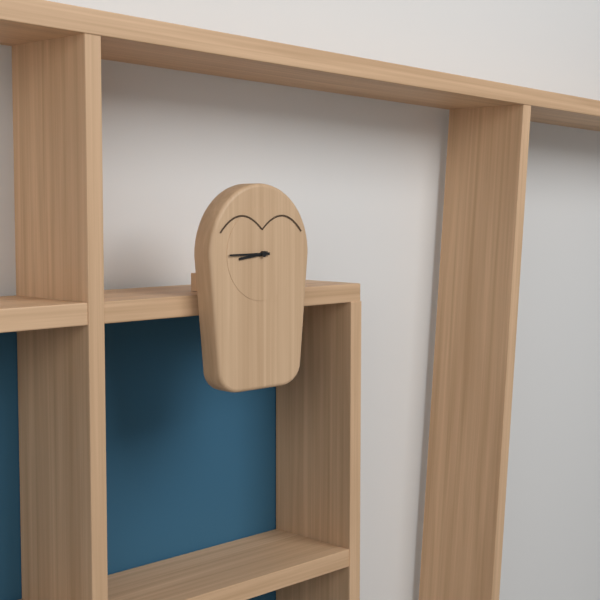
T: 8 h 45 min
